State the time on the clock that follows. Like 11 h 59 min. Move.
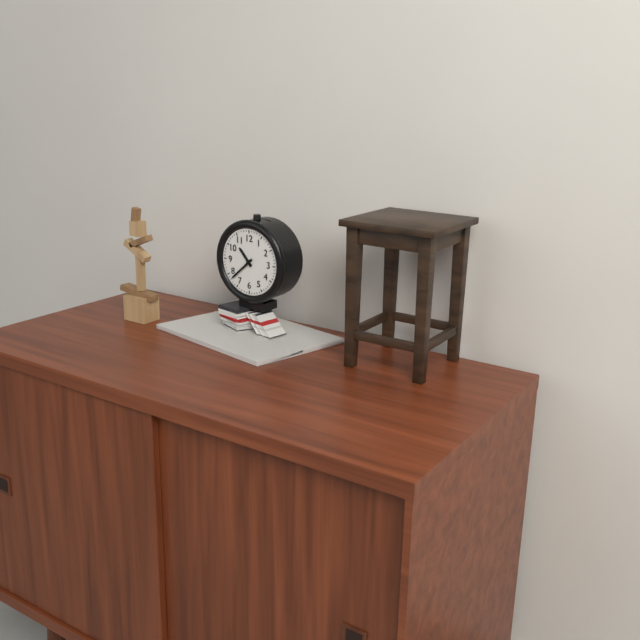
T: 10 h 38 min
